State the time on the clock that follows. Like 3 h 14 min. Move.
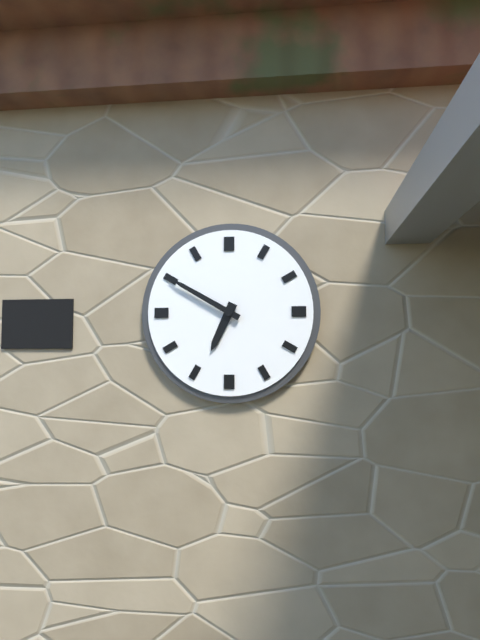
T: 6 h 50 min
